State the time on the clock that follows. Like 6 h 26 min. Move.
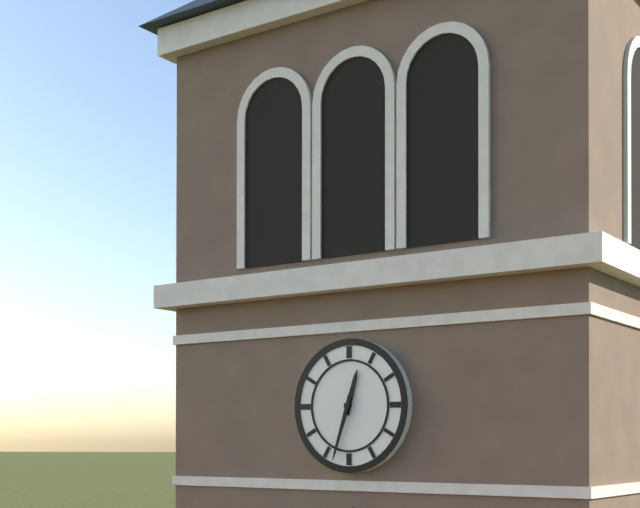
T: 12 h 33 min
